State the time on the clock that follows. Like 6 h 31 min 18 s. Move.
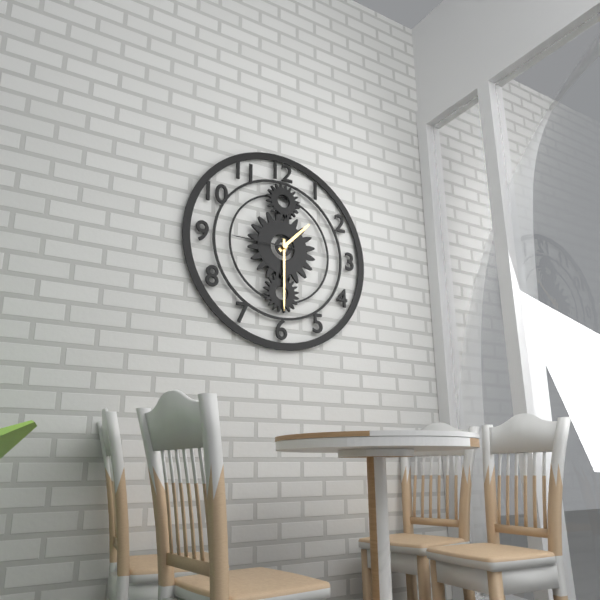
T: 1 h 30 min 45 s
